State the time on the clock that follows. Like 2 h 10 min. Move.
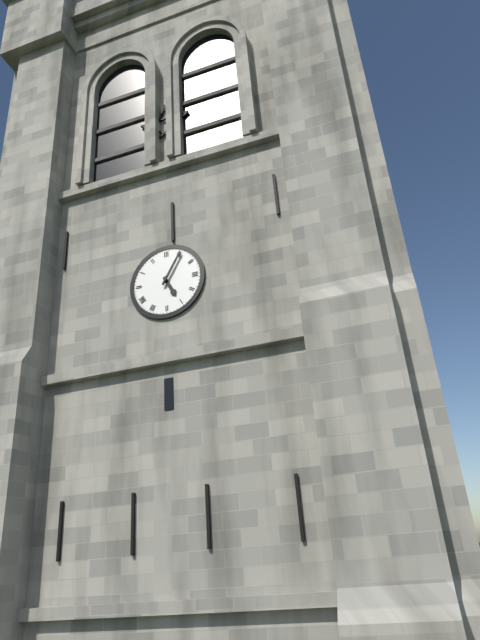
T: 5 h 05 min
